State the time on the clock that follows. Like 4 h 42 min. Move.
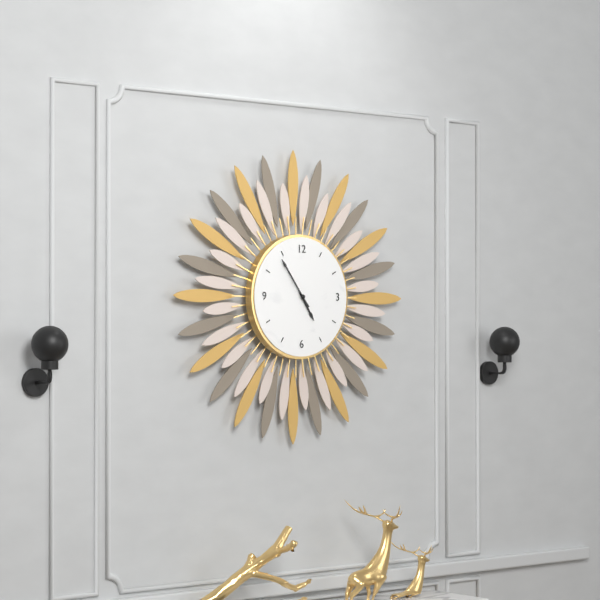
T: 4 h 54 min
